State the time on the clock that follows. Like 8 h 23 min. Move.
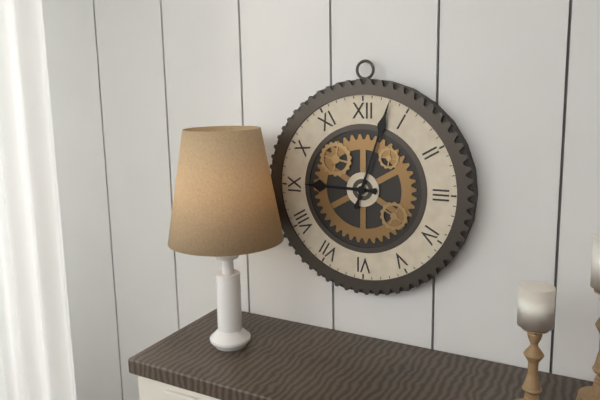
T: 9 h 03 min
